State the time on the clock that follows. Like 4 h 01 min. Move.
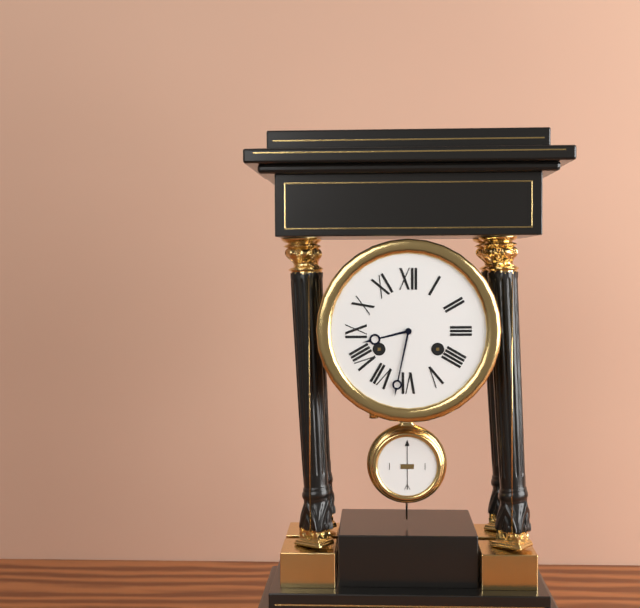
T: 8 h 32 min
